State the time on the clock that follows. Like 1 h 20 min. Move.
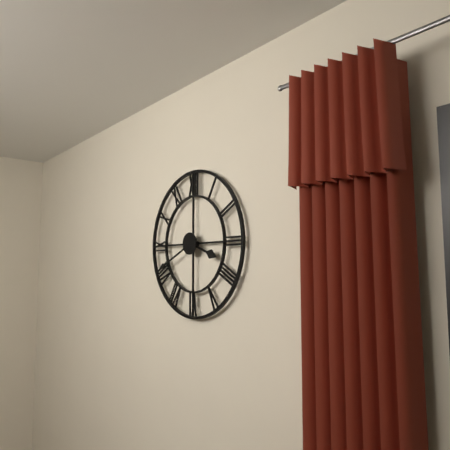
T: 3 h 41 min
